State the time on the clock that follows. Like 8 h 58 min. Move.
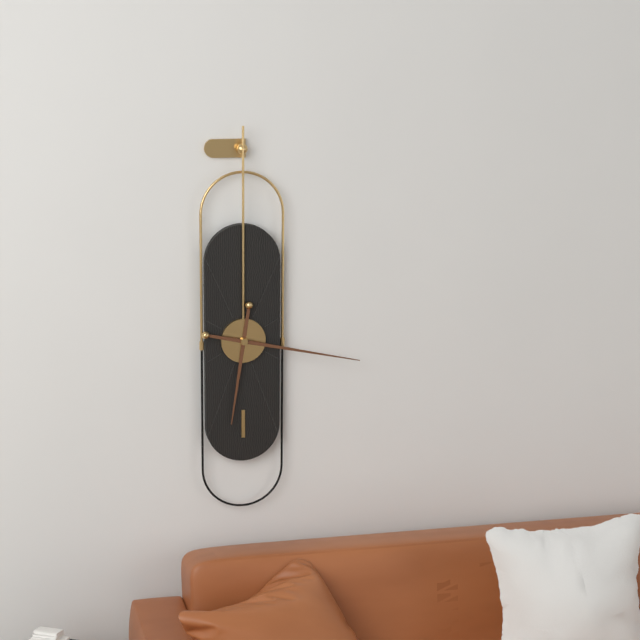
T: 6 h 17 min
